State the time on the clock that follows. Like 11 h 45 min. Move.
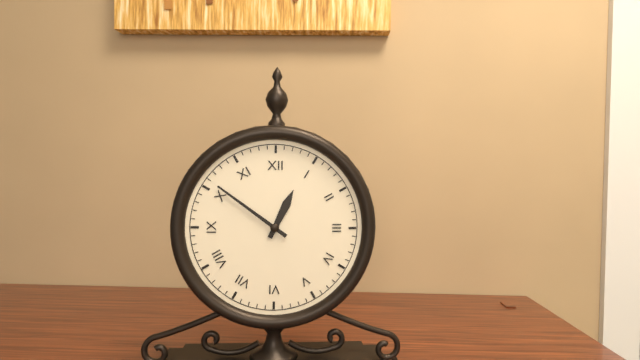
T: 12 h 51 min
